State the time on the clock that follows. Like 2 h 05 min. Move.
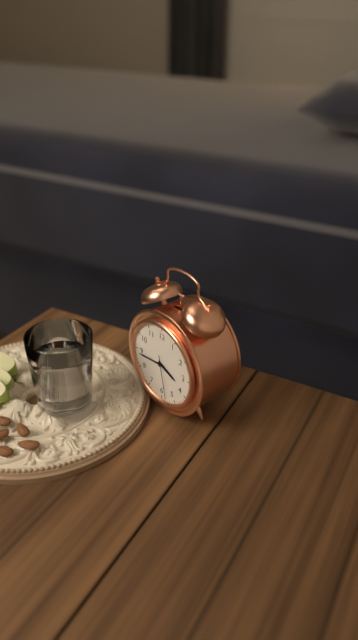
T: 3 h 44 min
